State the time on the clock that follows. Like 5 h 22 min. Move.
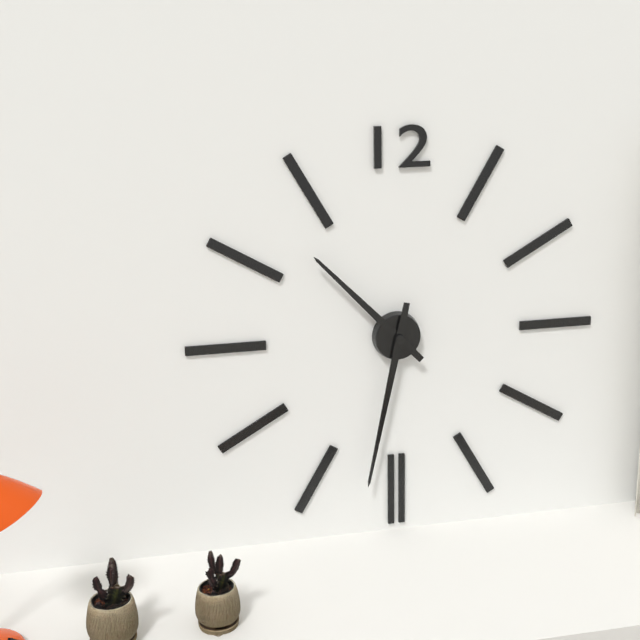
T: 10 h 32 min
